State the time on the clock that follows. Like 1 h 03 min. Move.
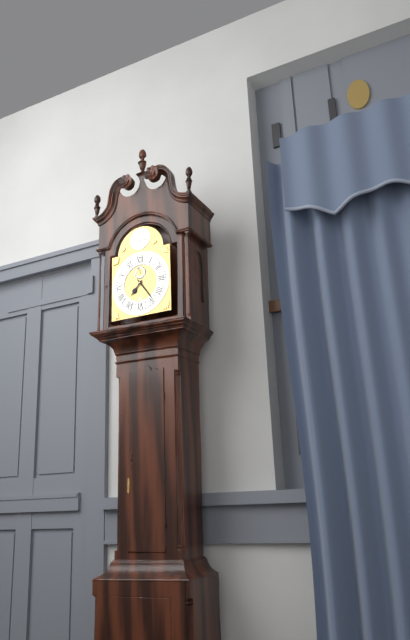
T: 7 h 24 min
